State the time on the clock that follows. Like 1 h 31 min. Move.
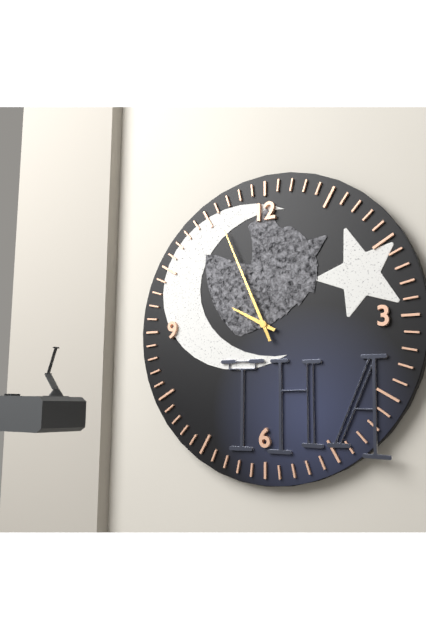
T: 9 h 56 min
